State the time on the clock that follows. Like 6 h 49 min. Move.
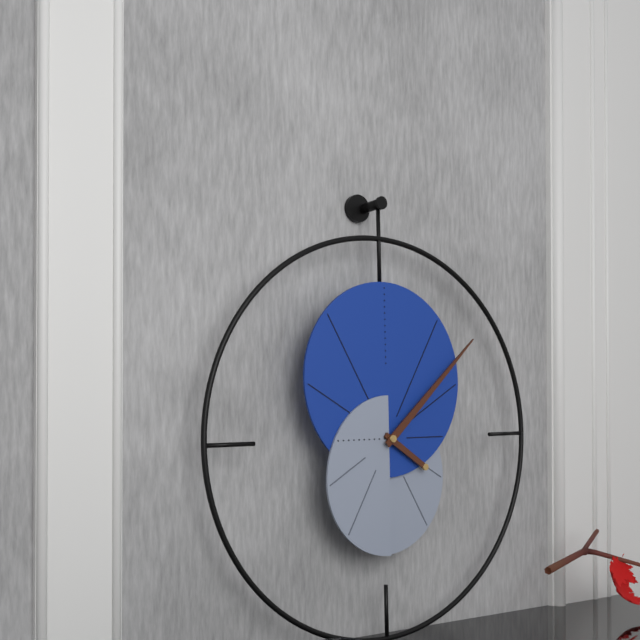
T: 4 h 08 min
